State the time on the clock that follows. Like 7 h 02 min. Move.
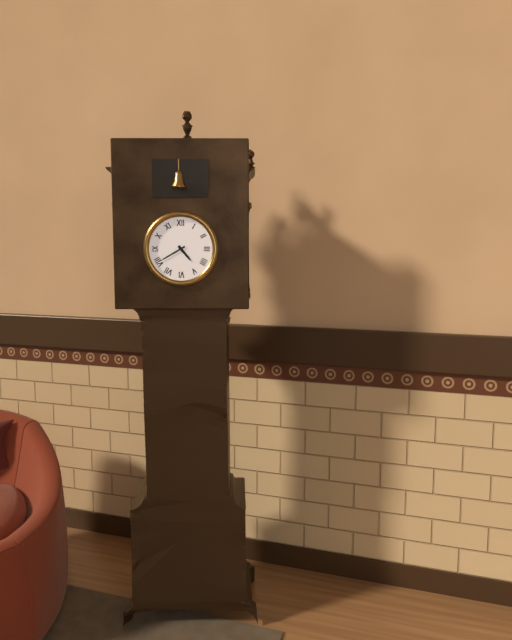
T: 4 h 40 min
